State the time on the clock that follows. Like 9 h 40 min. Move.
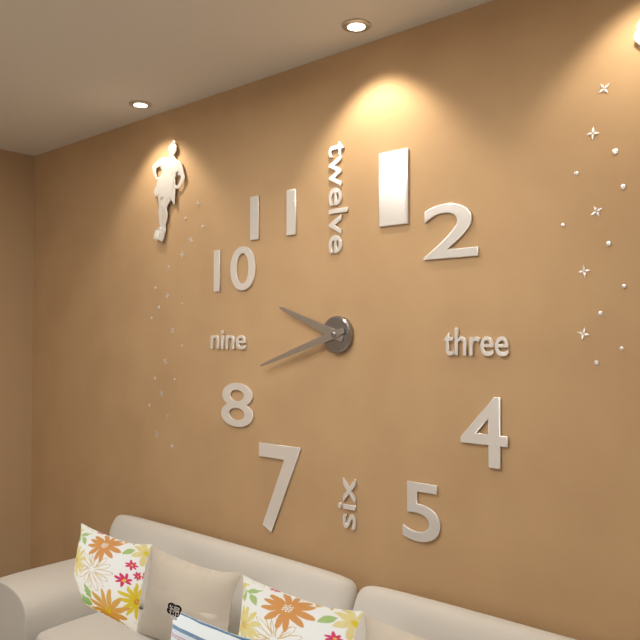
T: 9 h 42 min
